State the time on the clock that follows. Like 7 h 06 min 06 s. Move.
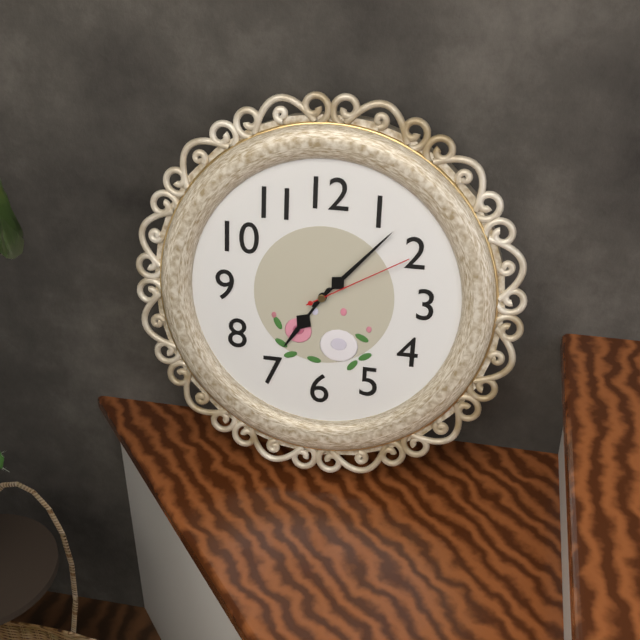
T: 7 h 07 min 10 s
